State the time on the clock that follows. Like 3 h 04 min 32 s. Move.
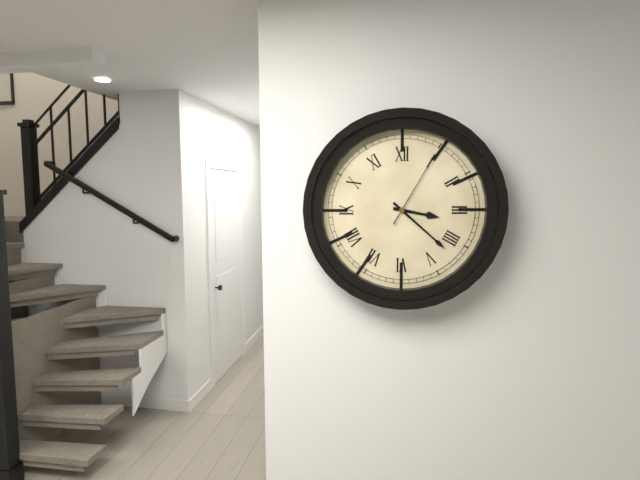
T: 3 h 22 min 05 s
